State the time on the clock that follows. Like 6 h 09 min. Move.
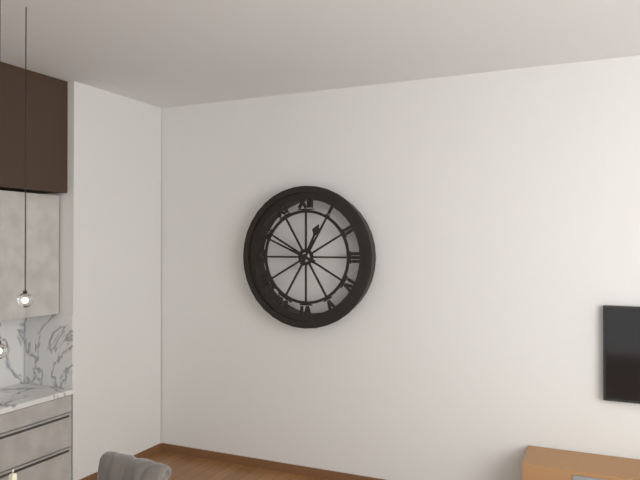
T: 12 h 49 min
